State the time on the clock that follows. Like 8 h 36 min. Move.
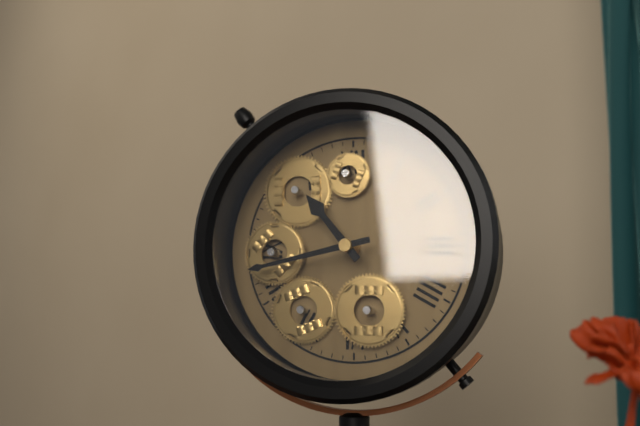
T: 10 h 43 min
